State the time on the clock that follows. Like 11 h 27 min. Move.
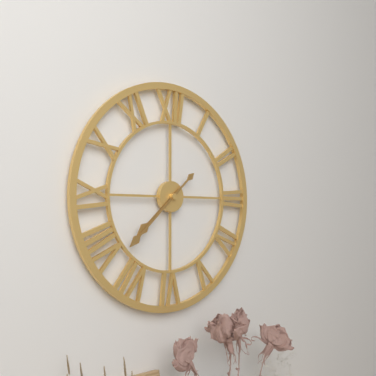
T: 7 h 38 min
